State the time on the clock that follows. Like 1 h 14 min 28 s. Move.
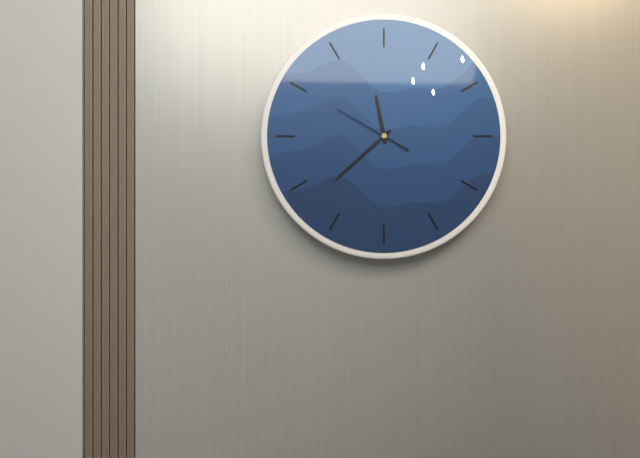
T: 11 h 38 min 50 s
